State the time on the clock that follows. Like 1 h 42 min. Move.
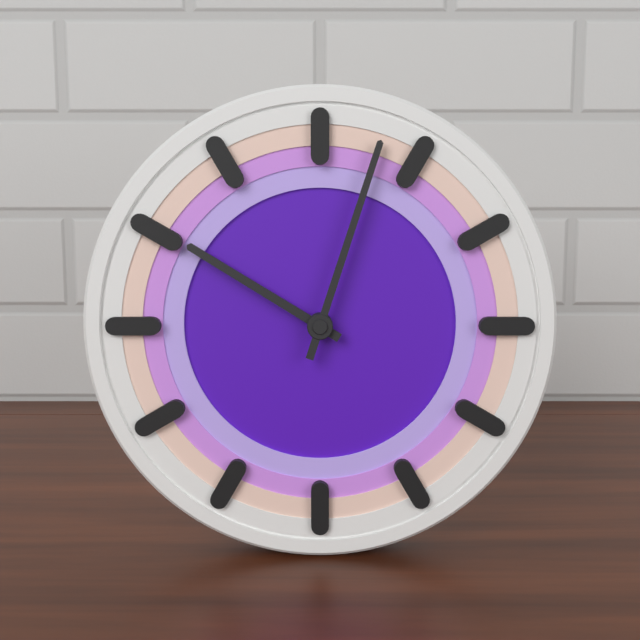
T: 10 h 03 min
